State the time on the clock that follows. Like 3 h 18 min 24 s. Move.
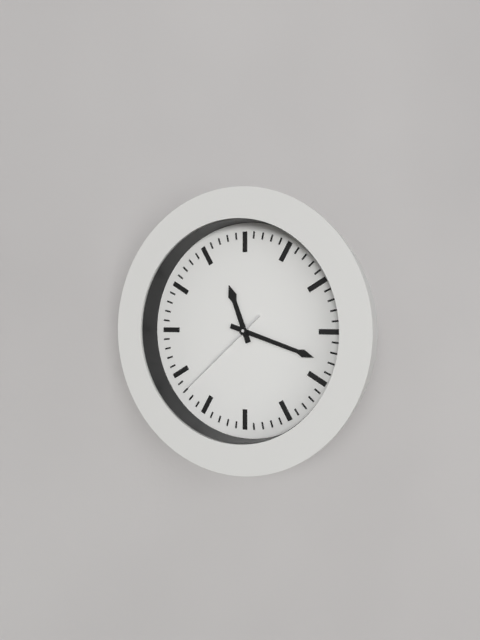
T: 11 h 18 min 38 s
